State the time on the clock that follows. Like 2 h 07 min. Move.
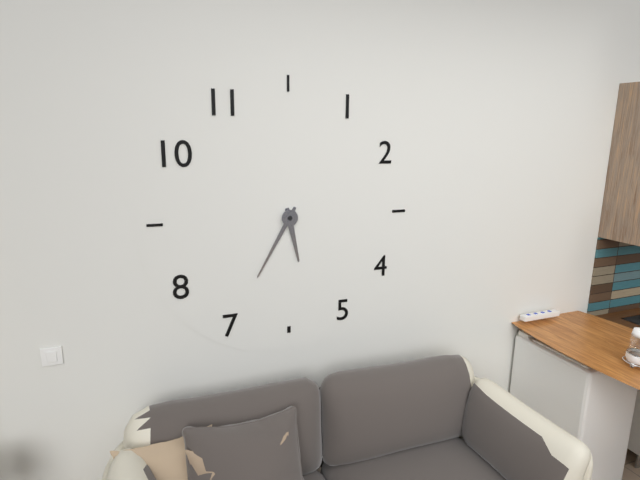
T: 5 h 35 min
